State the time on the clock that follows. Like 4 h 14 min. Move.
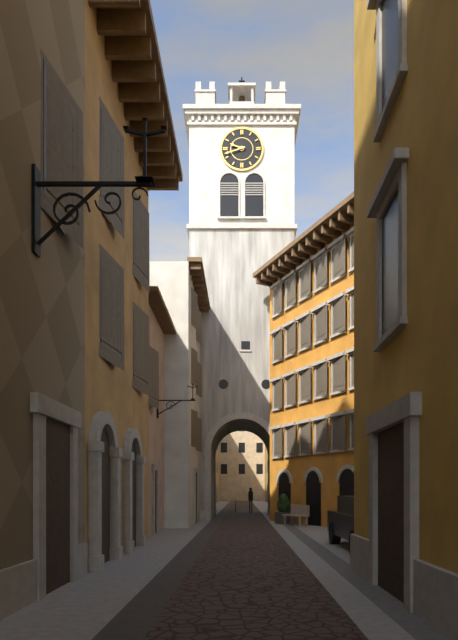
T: 9 h 42 min
